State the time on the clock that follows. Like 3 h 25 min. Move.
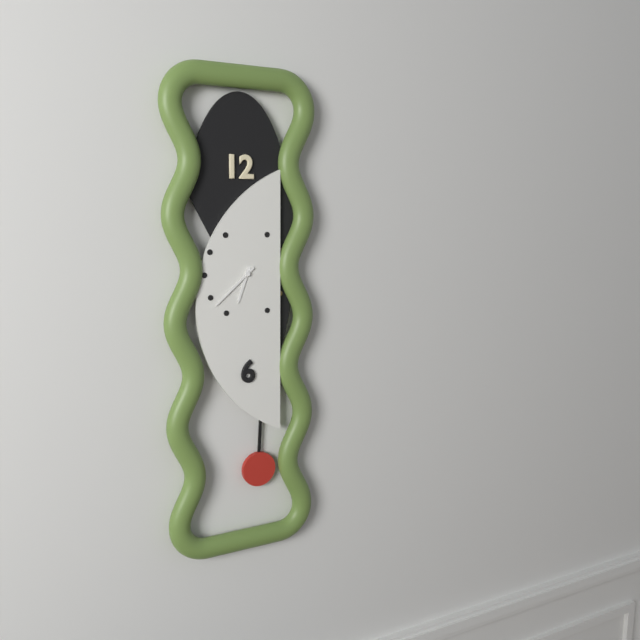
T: 6 h 38 min
